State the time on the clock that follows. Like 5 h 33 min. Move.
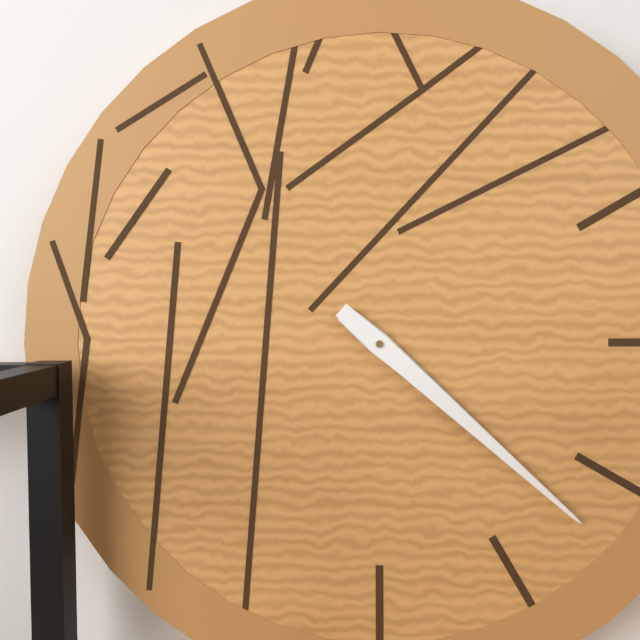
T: 4 h 22 min
